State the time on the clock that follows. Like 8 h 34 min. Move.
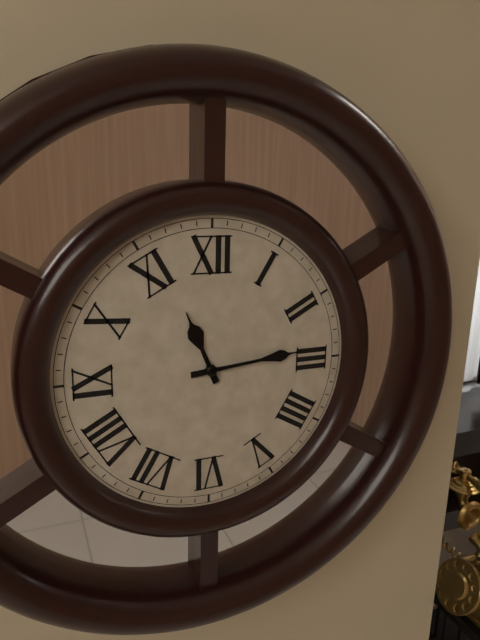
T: 11 h 14 min
